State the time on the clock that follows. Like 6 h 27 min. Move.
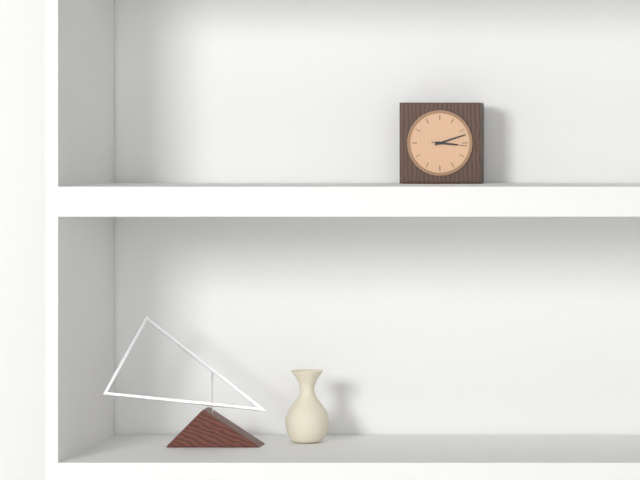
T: 3 h 12 min
